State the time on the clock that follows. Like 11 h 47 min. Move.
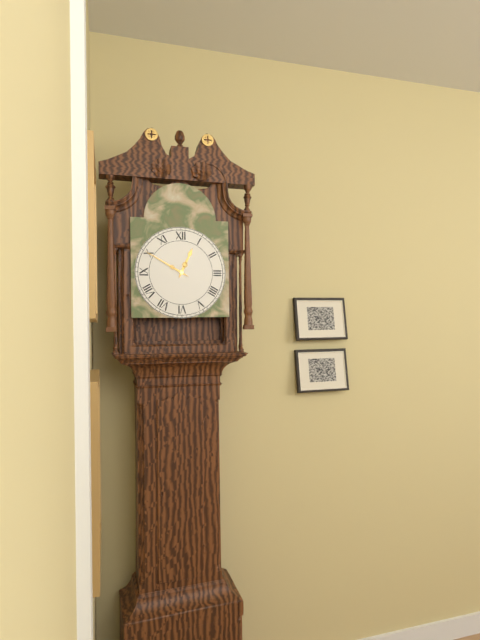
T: 12 h 50 min
